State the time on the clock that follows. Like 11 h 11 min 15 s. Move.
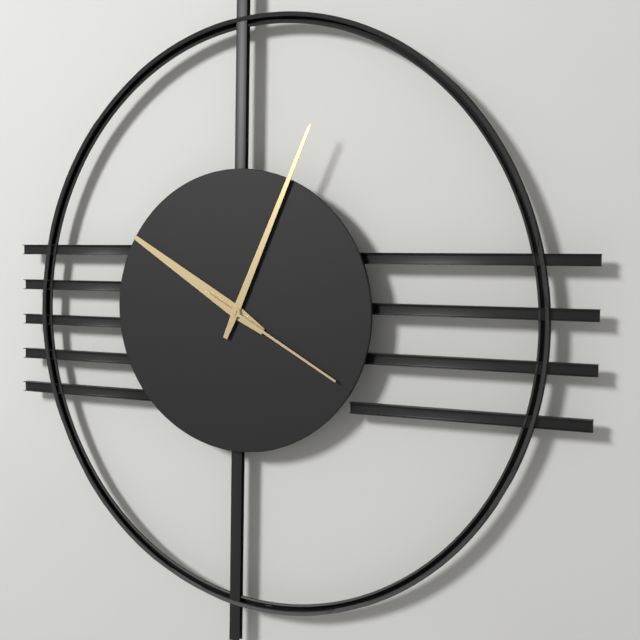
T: 10 h 04 min 20 s
